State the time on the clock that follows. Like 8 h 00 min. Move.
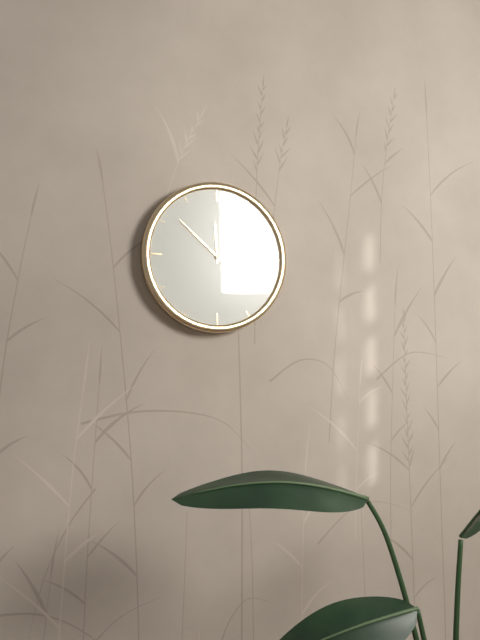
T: 11 h 52 min
